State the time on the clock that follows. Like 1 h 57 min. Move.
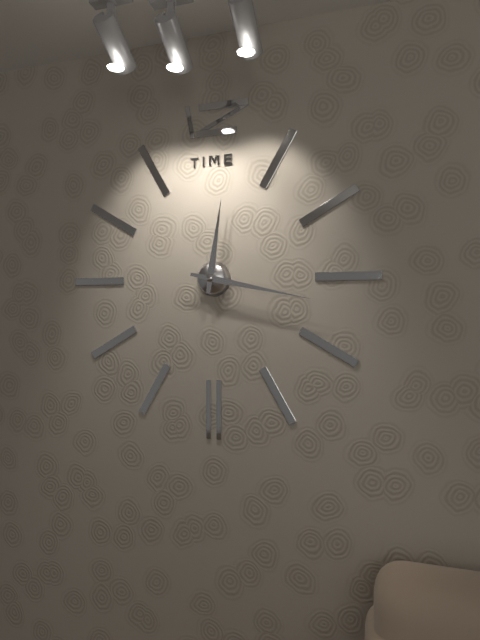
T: 12 h 17 min
